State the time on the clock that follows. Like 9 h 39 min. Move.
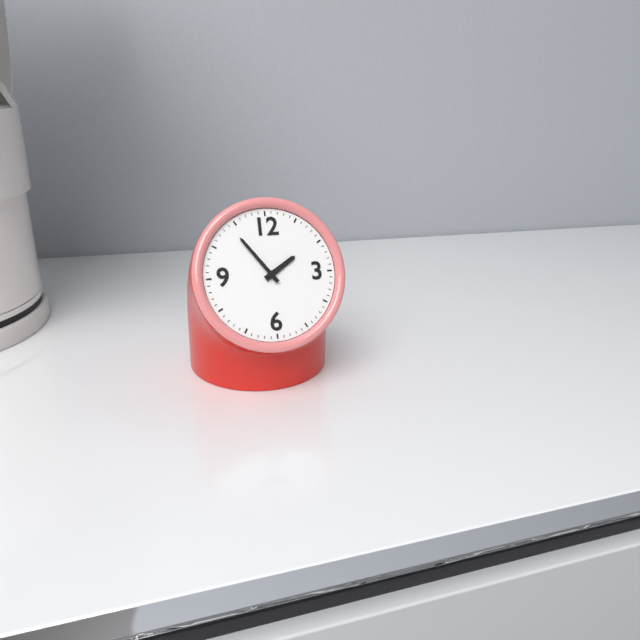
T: 1 h 54 min
